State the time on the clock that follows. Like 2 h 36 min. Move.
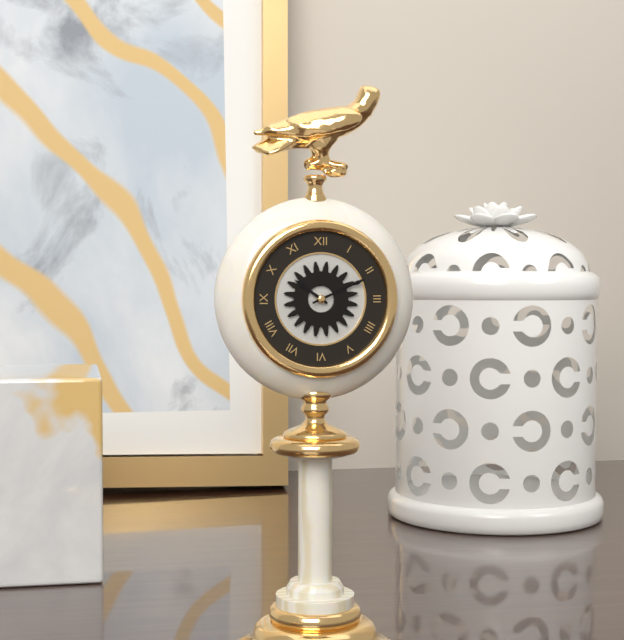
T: 10 h 11 min
